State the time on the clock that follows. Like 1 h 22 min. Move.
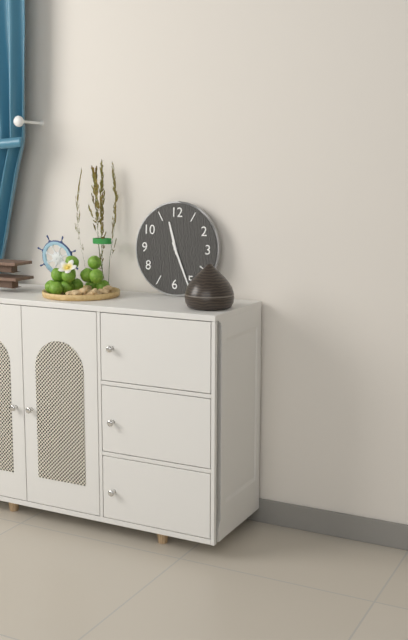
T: 11 h 26 min
